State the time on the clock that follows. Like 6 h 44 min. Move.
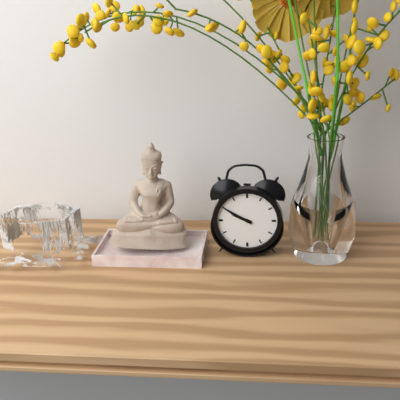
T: 9 h 50 min
